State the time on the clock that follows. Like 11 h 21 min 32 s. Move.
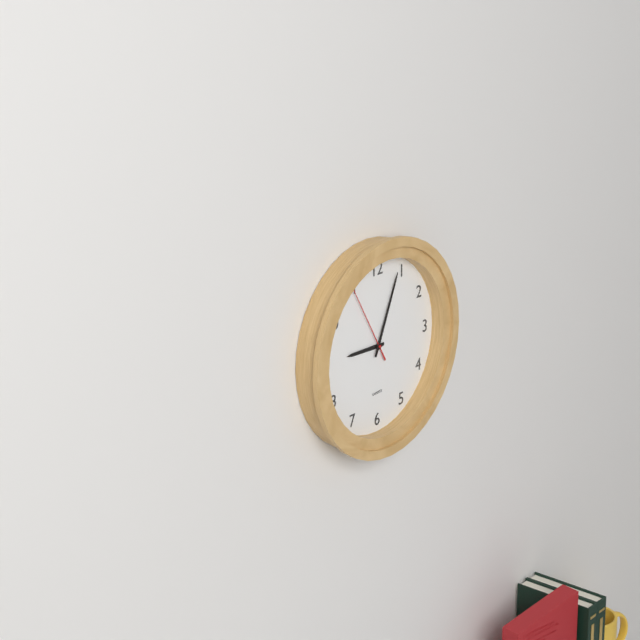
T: 9 h 04 min 55 s
